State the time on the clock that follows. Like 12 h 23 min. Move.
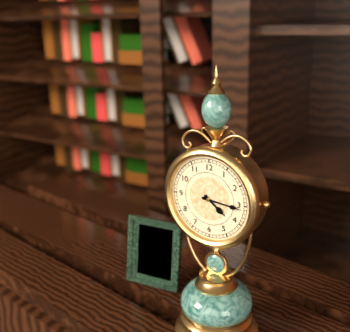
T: 4 h 16 min
